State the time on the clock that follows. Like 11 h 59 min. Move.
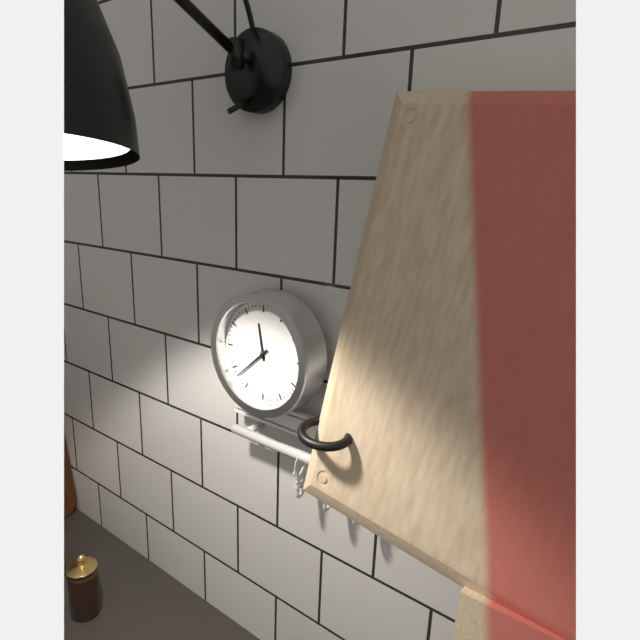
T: 11 h 38 min
